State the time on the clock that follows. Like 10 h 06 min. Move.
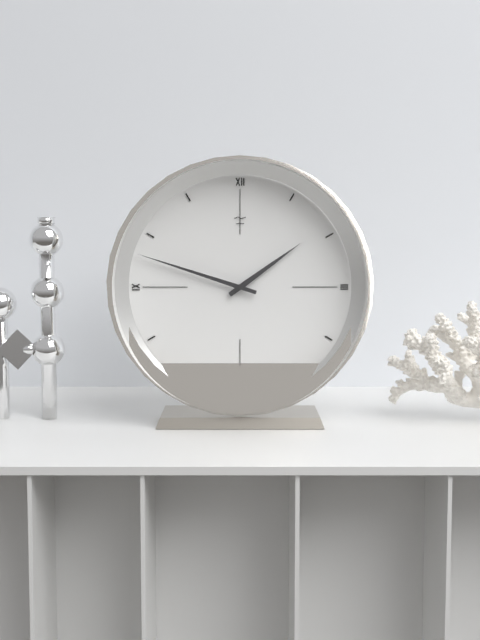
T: 1 h 48 min
